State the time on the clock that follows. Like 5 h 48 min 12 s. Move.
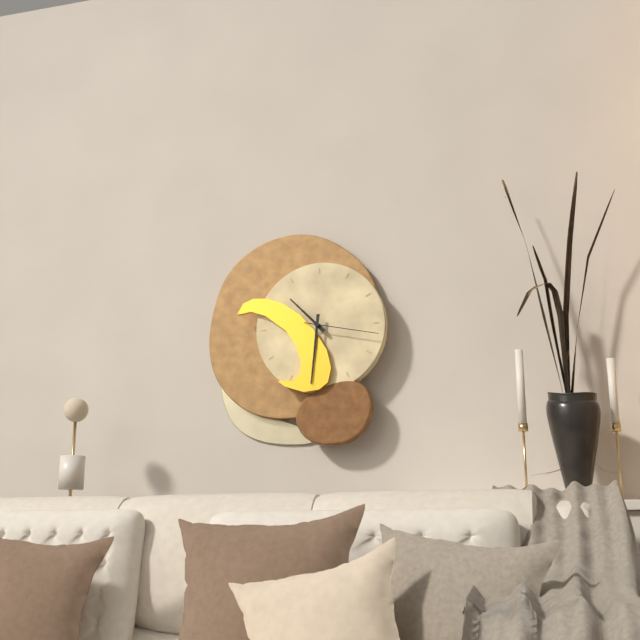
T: 10 h 31 min 17 s
